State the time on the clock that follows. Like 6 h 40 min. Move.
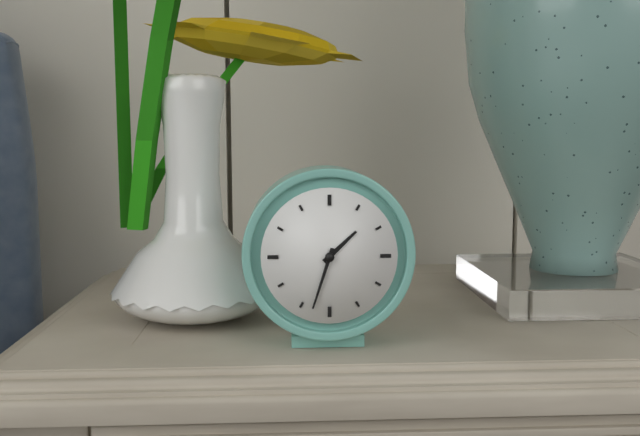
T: 1 h 33 min
